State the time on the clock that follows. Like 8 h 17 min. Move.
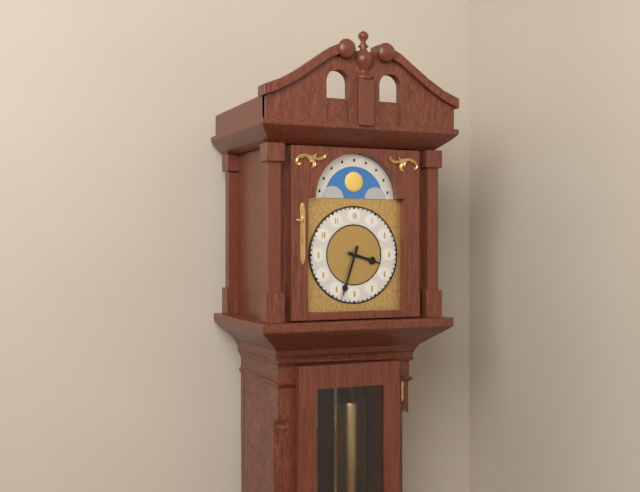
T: 3 h 33 min
